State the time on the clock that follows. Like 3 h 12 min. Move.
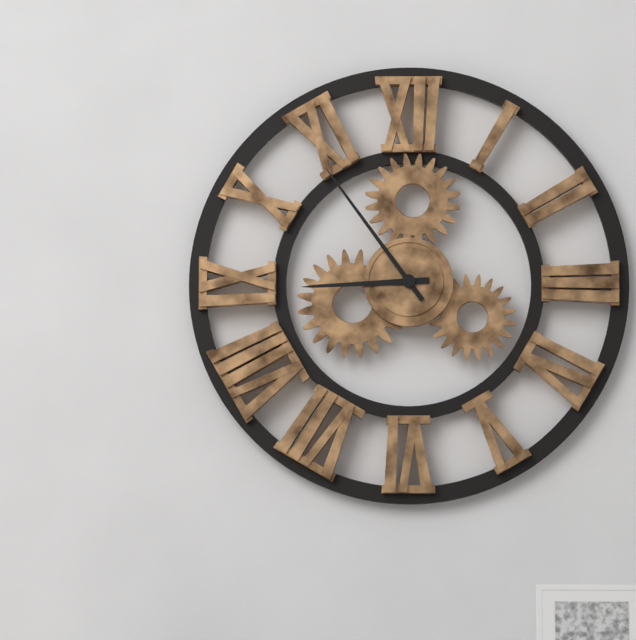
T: 8 h 54 min
